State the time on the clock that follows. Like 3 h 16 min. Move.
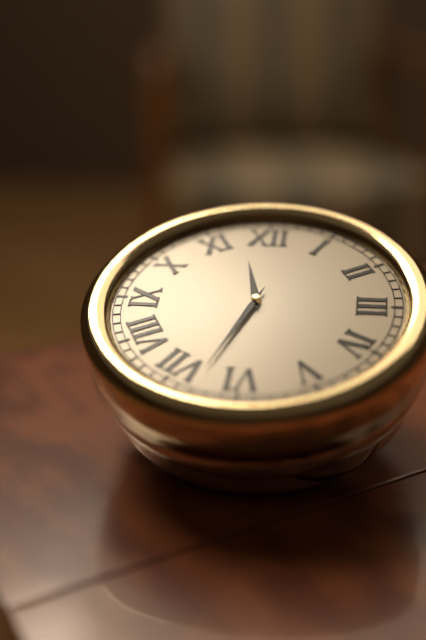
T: 11 h 33 min
